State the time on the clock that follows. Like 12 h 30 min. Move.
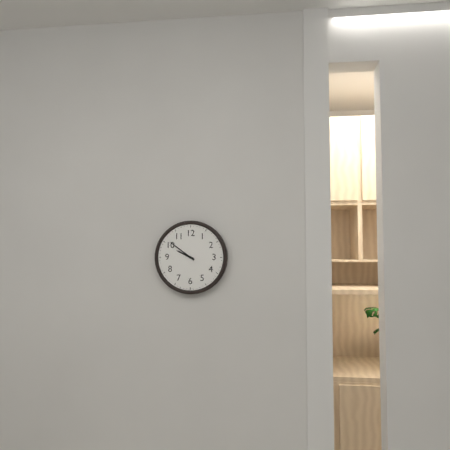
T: 9 h 51 min
